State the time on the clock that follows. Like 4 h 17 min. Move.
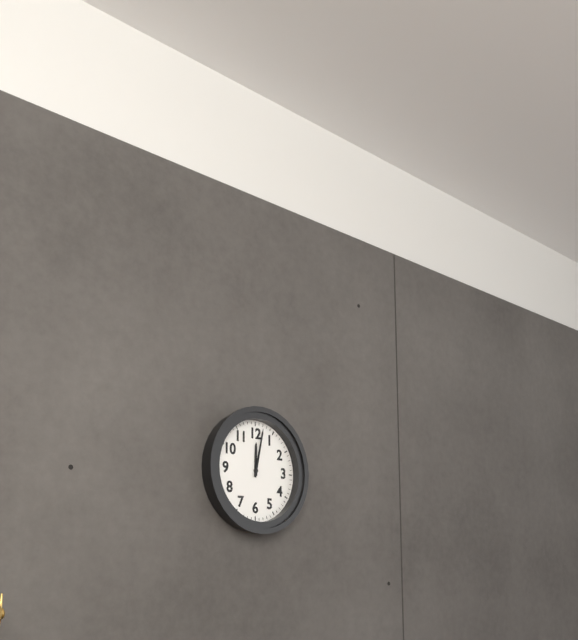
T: 12 h 02 min
